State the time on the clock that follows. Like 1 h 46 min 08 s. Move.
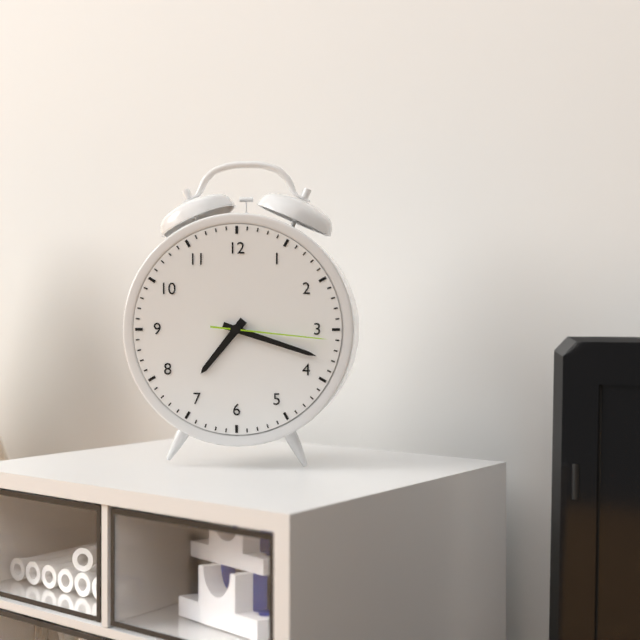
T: 7 h 18 min 16 s
